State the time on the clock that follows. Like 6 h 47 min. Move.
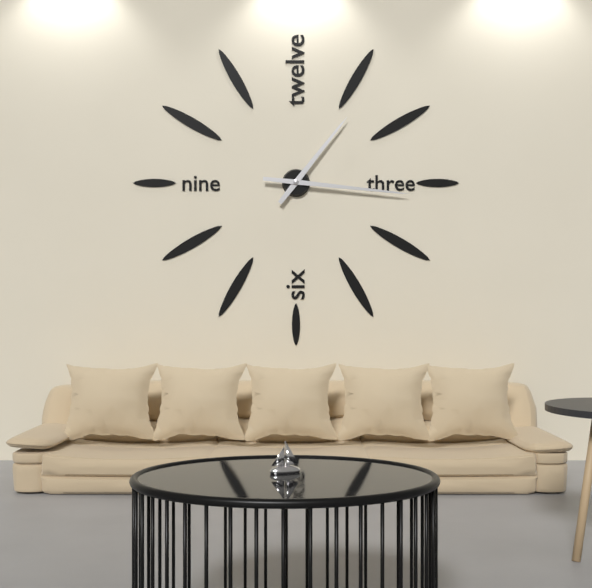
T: 1 h 16 min
